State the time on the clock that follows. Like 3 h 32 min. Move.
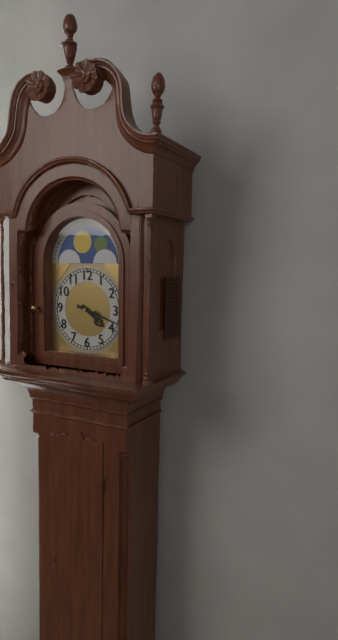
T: 4 h 18 min
